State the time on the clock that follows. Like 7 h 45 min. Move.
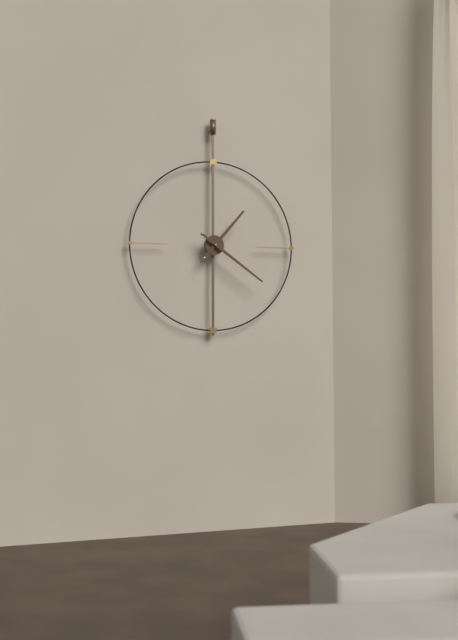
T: 1 h 21 min
